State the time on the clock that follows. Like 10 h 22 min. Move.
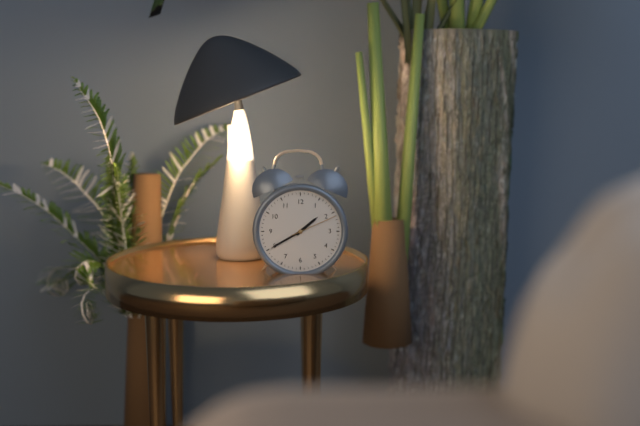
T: 1 h 40 min
